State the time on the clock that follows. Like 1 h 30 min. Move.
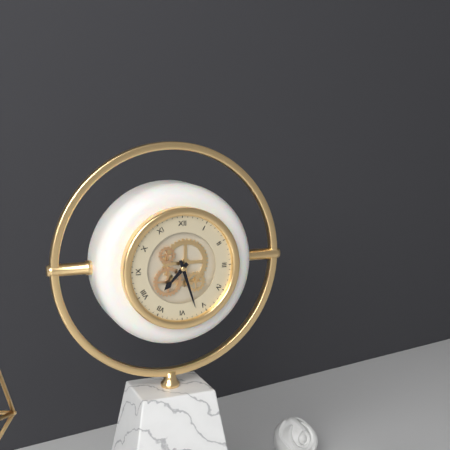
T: 7 h 27 min
